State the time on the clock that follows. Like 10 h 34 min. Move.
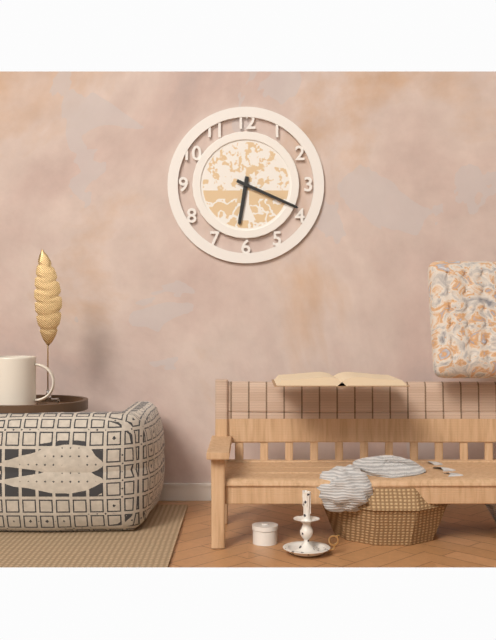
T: 6 h 19 min
